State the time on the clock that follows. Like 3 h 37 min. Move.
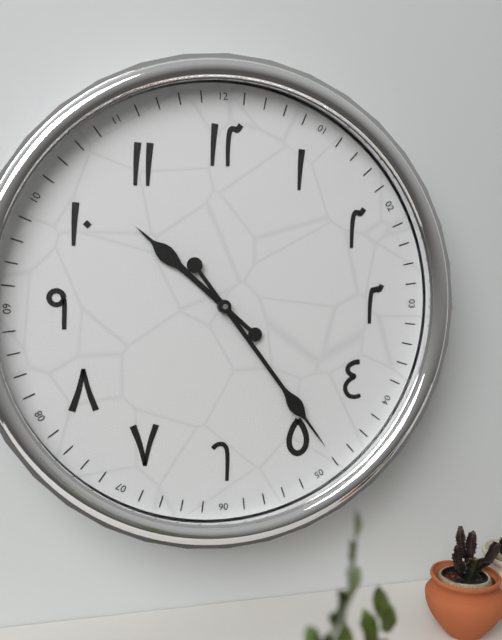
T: 10 h 24 min
